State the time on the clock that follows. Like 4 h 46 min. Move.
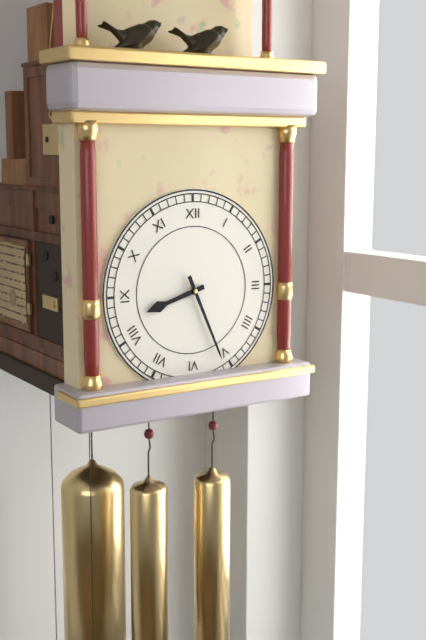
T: 8 h 26 min
